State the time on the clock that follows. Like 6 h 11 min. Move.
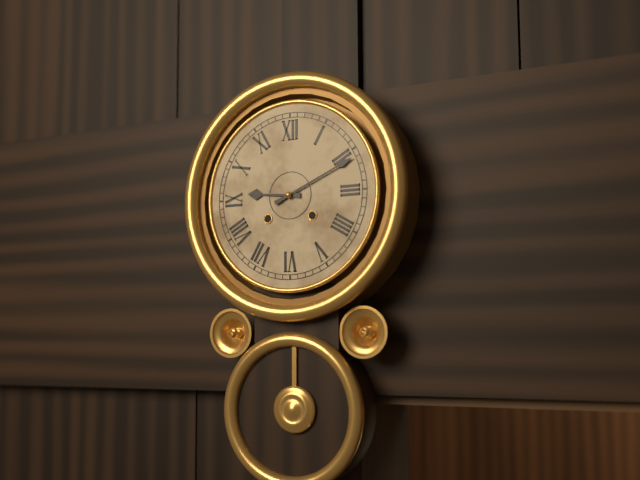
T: 9 h 11 min
